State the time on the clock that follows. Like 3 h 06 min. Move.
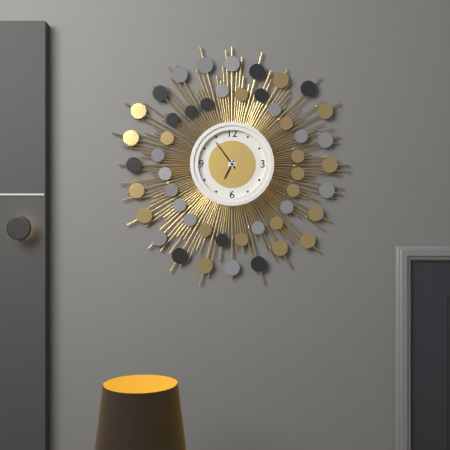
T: 6 h 54 min
